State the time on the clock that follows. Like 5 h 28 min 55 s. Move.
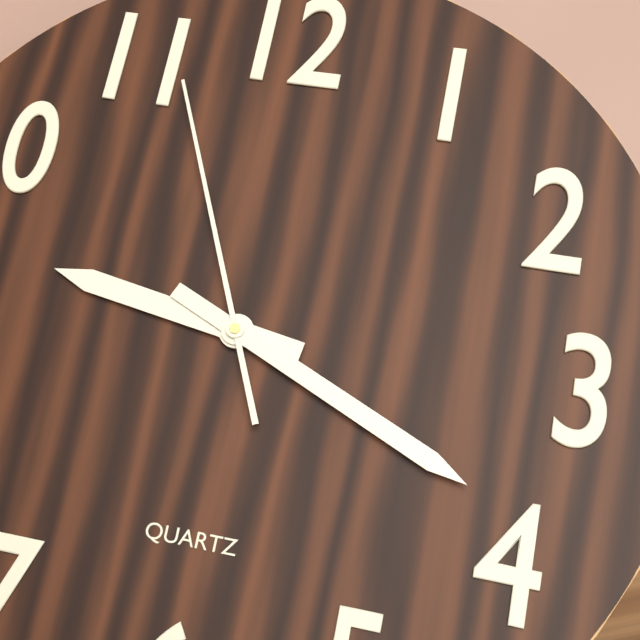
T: 9 h 19 min 56 s
